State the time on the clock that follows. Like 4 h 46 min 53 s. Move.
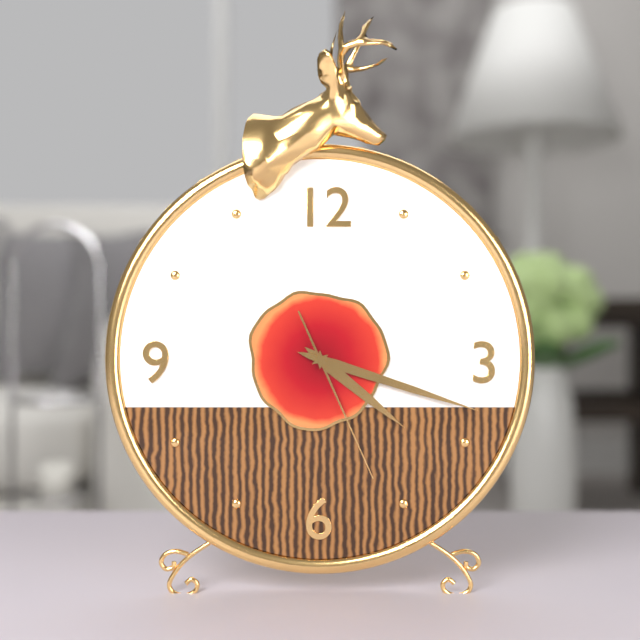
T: 4 h 18 min 26 s
